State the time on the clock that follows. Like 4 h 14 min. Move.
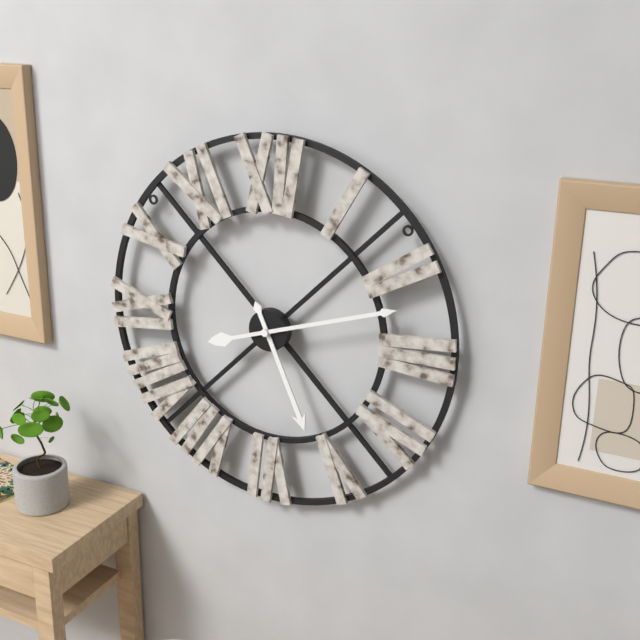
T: 5 h 12 min
